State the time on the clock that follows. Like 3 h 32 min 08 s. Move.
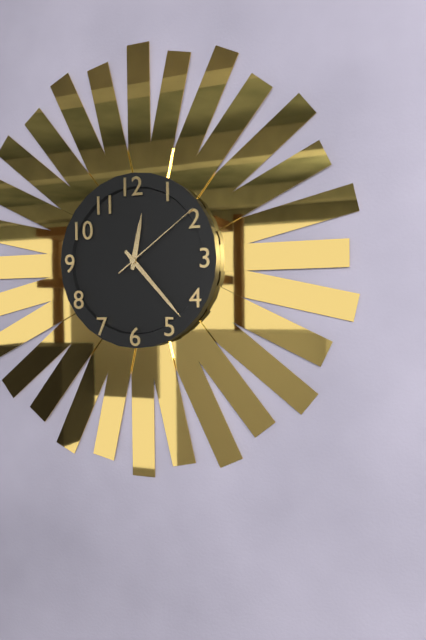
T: 12 h 23 min 09 s
